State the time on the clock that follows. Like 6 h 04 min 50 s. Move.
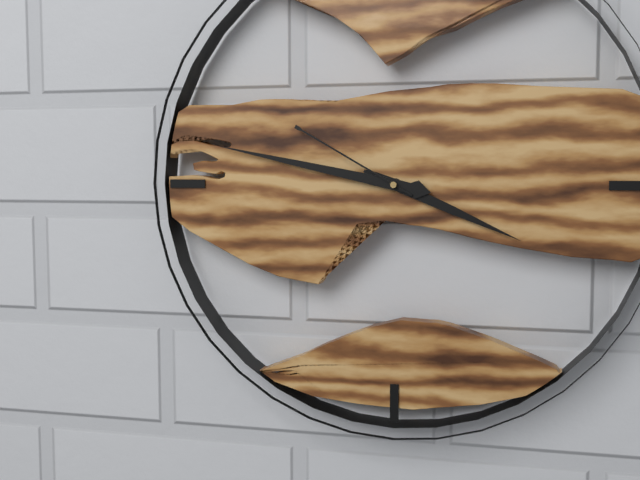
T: 3 h 47 min 50 s
